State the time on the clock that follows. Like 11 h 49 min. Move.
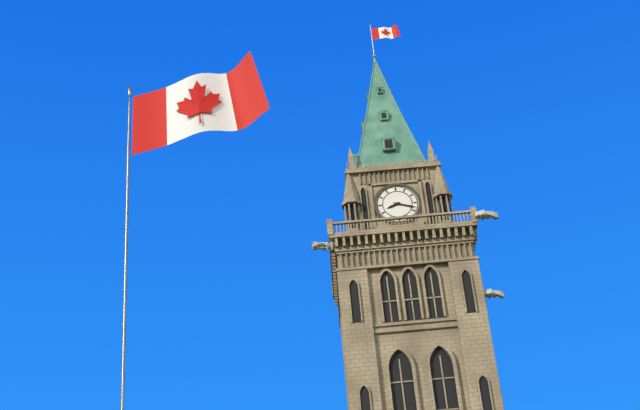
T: 8 h 18 min
